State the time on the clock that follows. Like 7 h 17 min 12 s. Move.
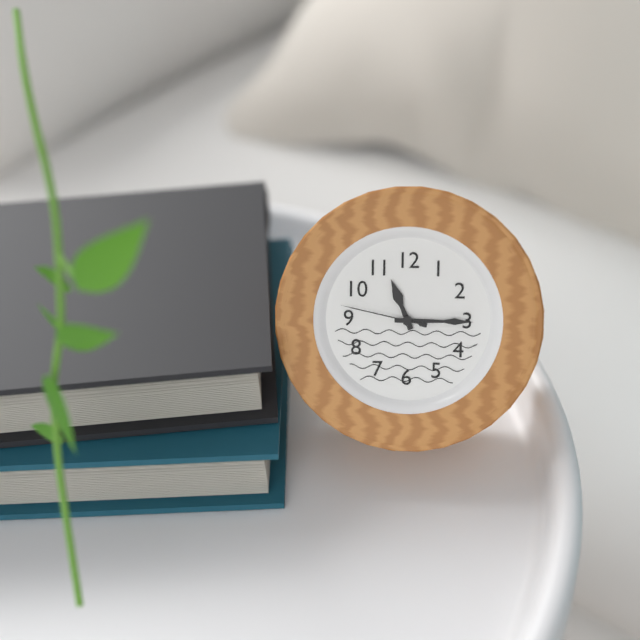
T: 11 h 15 min 47 s
